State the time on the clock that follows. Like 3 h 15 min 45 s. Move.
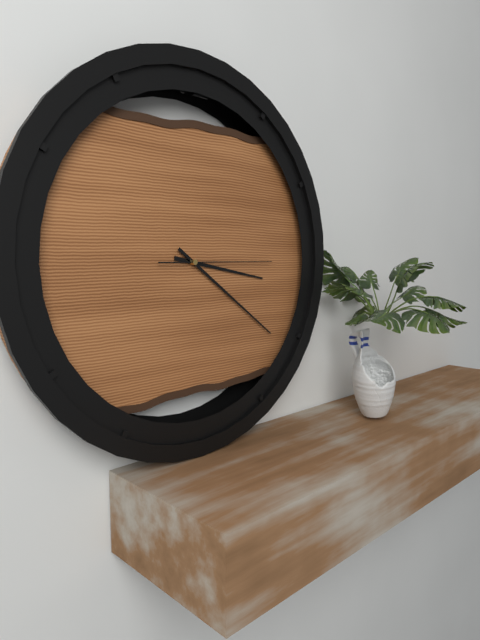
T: 3 h 21 min 15 s
